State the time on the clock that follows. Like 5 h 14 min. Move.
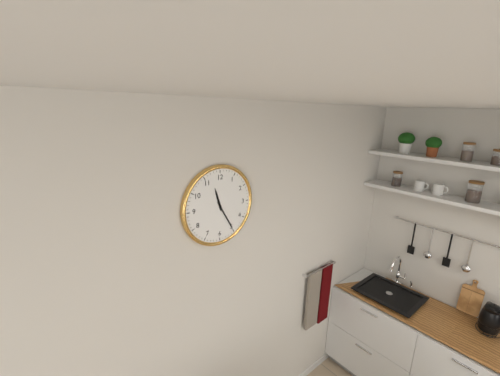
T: 11 h 25 min
